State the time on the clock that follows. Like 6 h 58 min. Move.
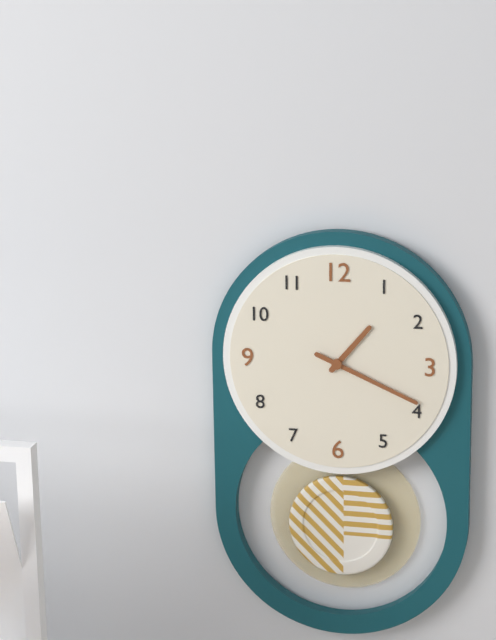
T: 1 h 19 min
